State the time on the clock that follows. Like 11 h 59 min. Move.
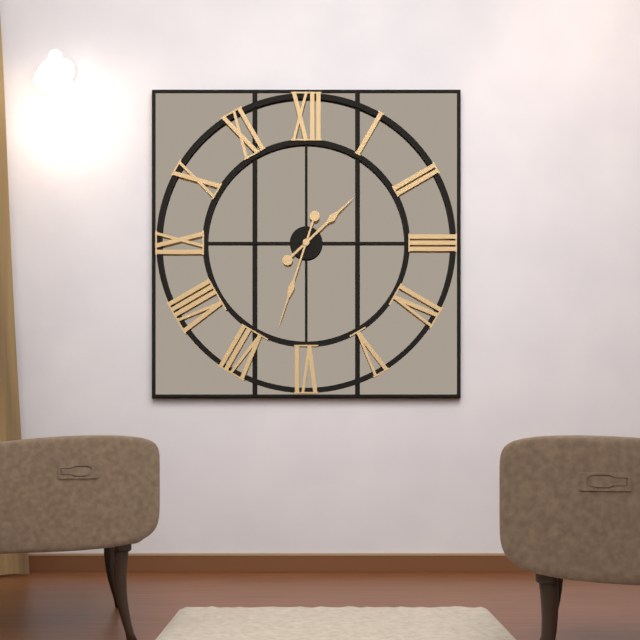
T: 1 h 33 min
